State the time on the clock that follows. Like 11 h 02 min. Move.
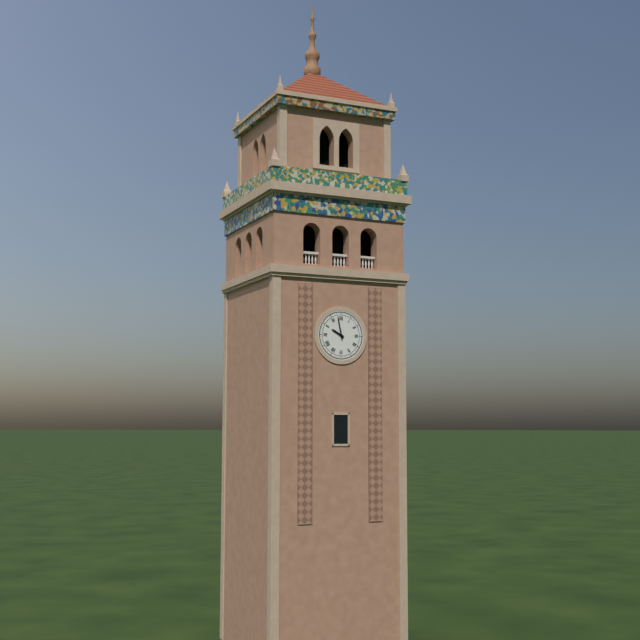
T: 9 h 58 min
